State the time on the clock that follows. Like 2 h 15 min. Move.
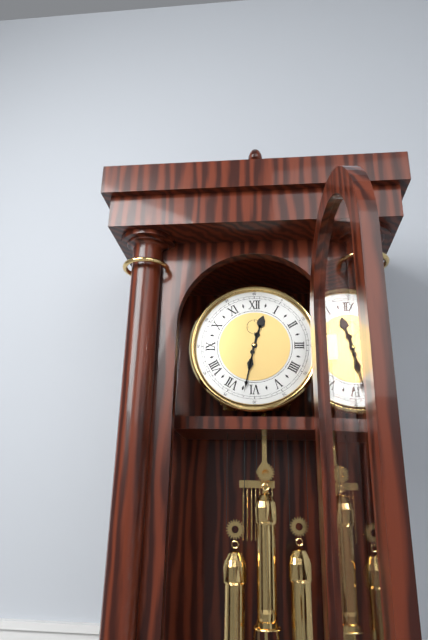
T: 12 h 32 min
